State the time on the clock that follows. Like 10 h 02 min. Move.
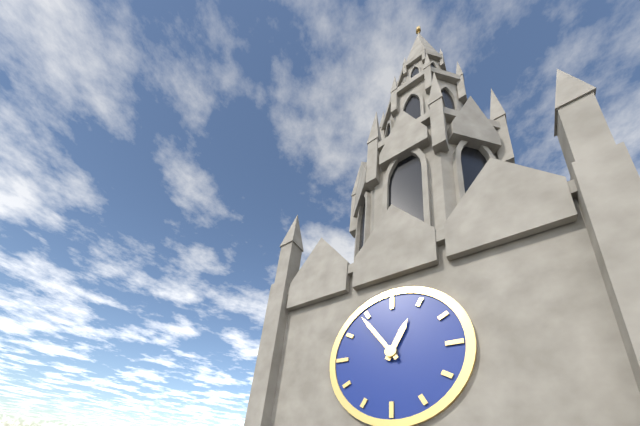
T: 12 h 54 min
